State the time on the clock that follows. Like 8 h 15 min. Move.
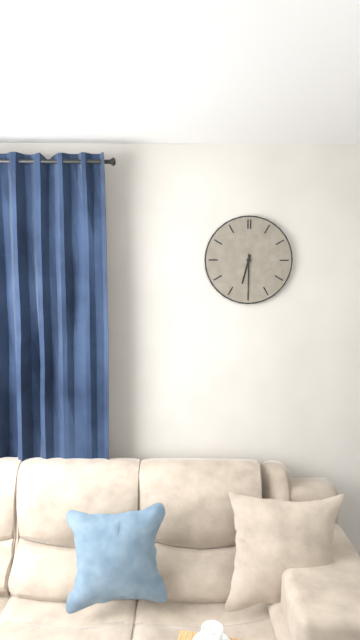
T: 6 h 30 min
